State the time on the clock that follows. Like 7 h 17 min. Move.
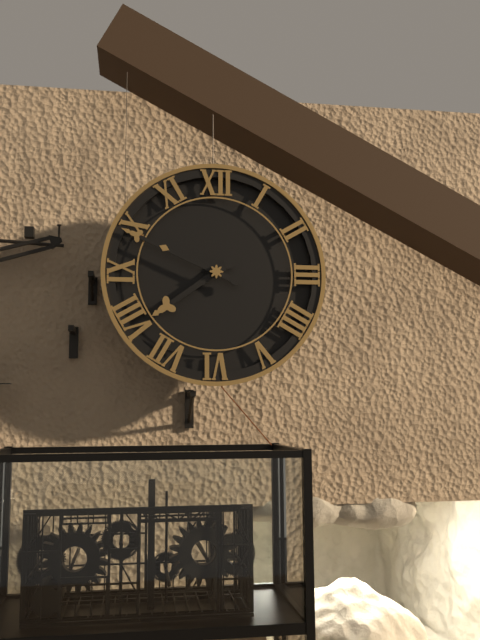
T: 7 h 49 min
